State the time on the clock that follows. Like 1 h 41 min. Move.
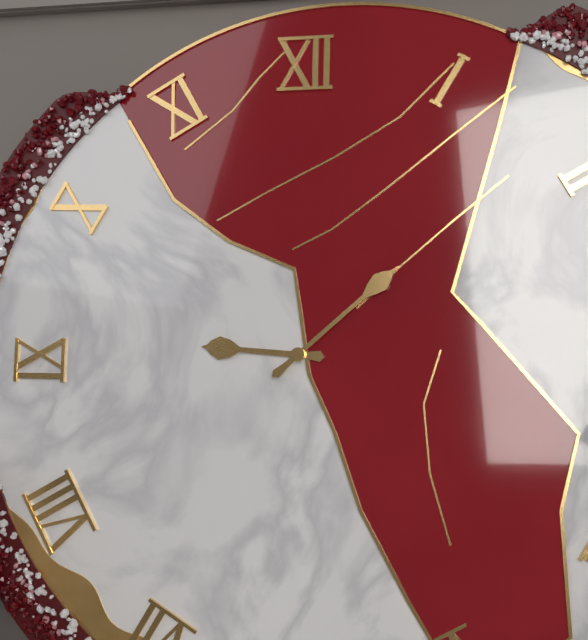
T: 9 h 08 min
